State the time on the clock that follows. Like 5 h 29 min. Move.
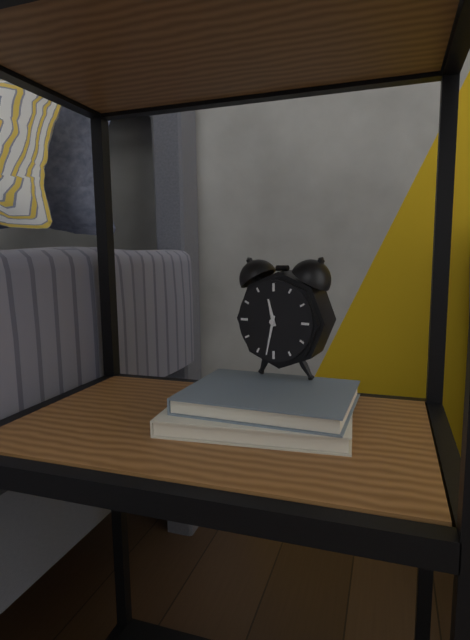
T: 11 h 32 min
